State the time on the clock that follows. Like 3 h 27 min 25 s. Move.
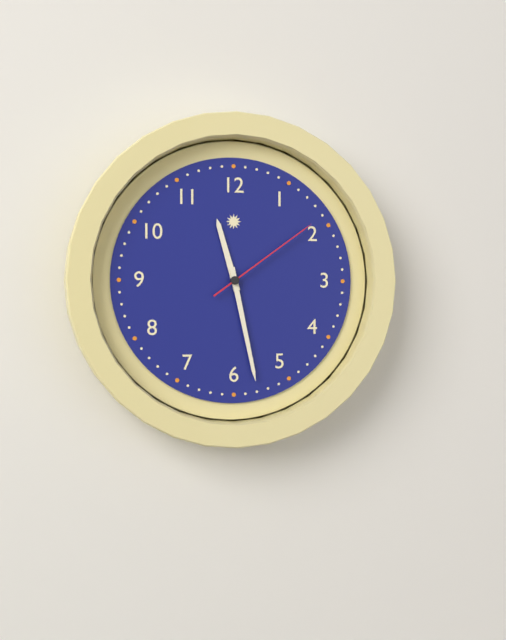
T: 11 h 28 min 09 s
